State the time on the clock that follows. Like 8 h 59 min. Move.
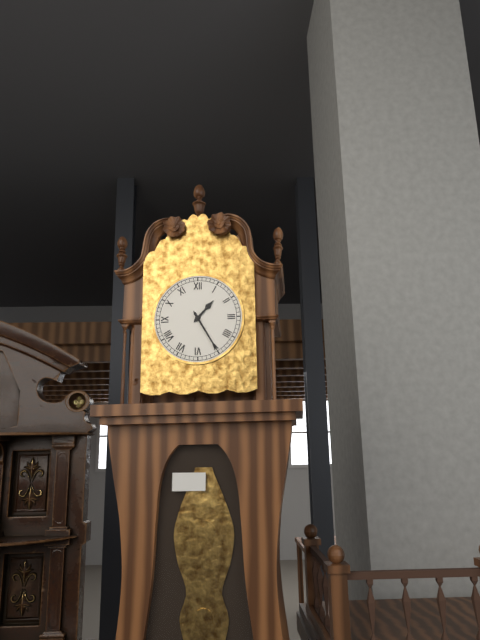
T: 1 h 25 min
